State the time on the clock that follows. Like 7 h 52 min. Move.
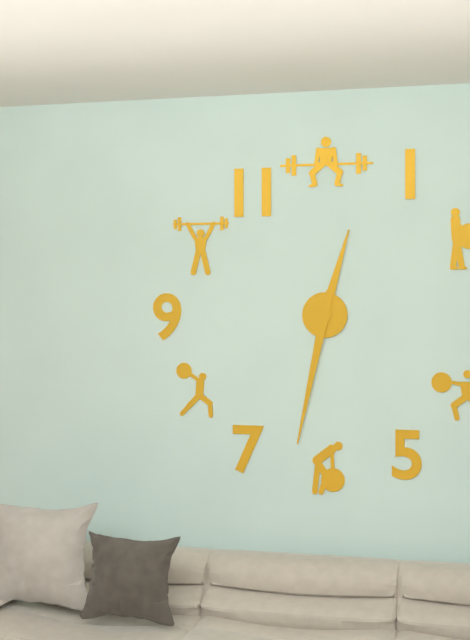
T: 12 h 32 min
